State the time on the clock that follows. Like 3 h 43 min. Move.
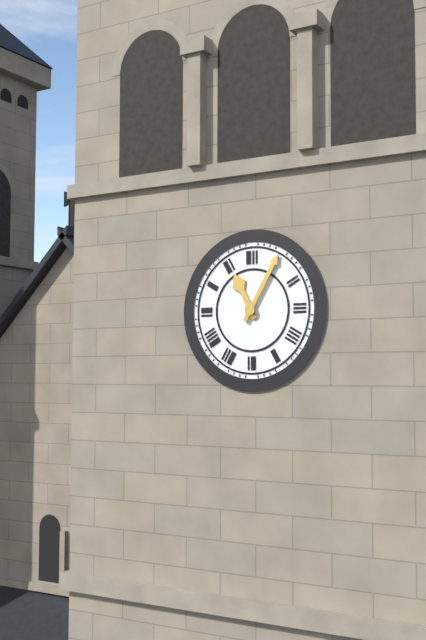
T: 11 h 05 min
